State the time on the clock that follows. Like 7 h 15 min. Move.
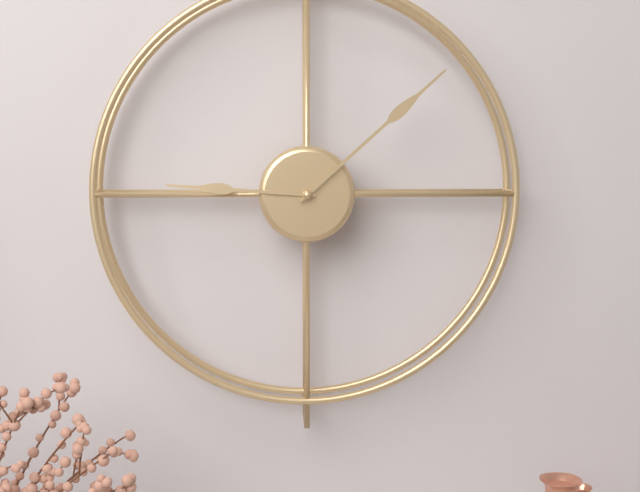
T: 9 h 08 min
